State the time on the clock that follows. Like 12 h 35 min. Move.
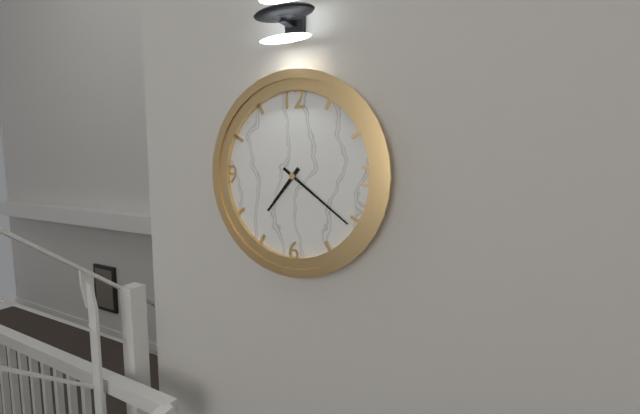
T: 7 h 21 min
